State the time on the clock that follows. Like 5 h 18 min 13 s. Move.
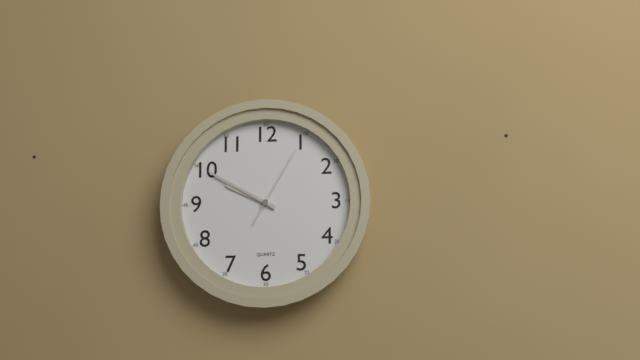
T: 9 h 50 min 05 s
